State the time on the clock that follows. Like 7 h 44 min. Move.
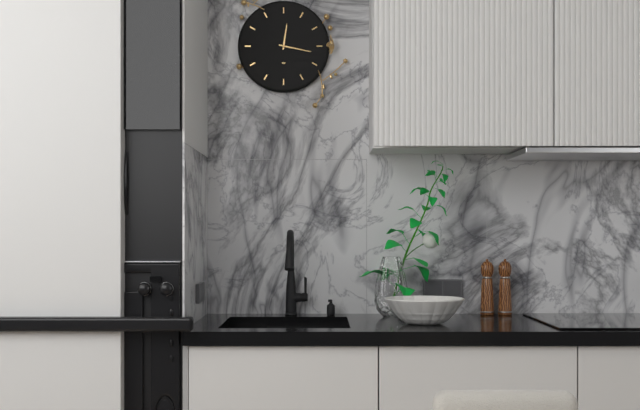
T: 12 h 17 min
